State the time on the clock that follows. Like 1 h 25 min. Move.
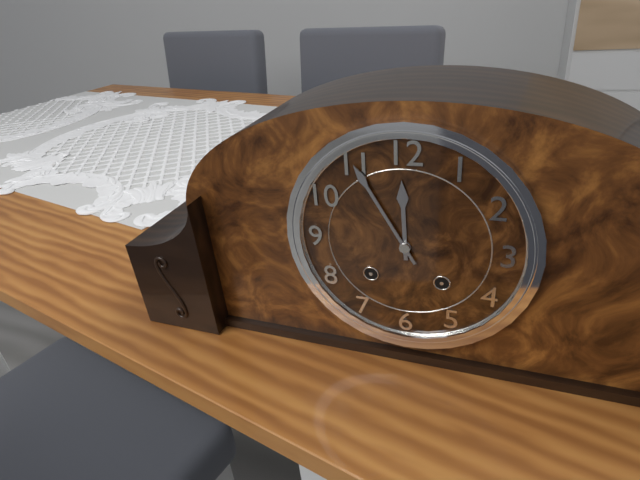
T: 11 h 55 min
